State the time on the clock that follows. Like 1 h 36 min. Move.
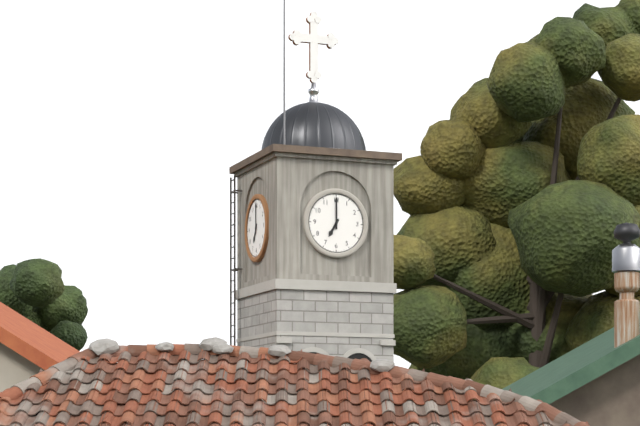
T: 7 h 00 min
